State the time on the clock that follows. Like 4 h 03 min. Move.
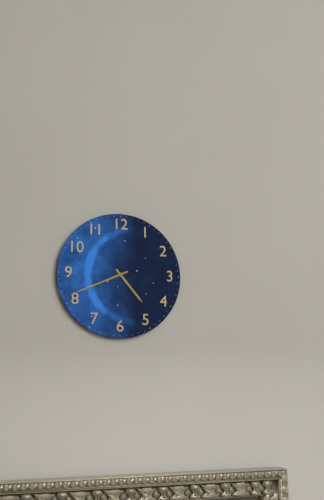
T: 4 h 41 min
